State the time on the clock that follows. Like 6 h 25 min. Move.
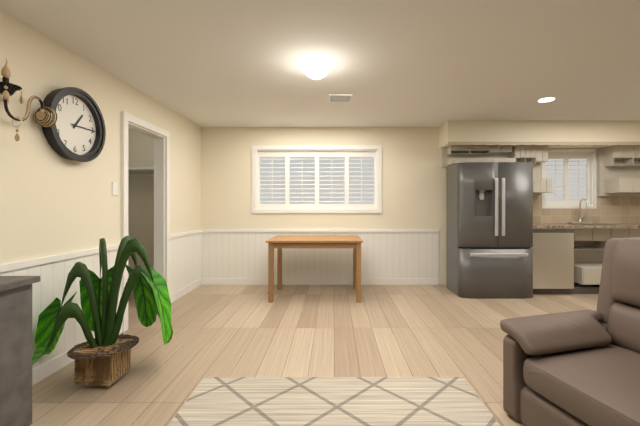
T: 1 h 15 min
